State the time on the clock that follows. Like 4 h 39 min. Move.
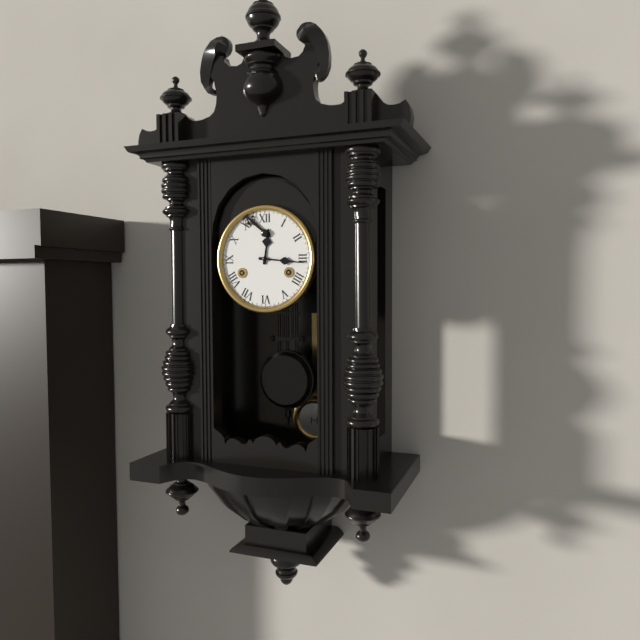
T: 12 h 16 min
